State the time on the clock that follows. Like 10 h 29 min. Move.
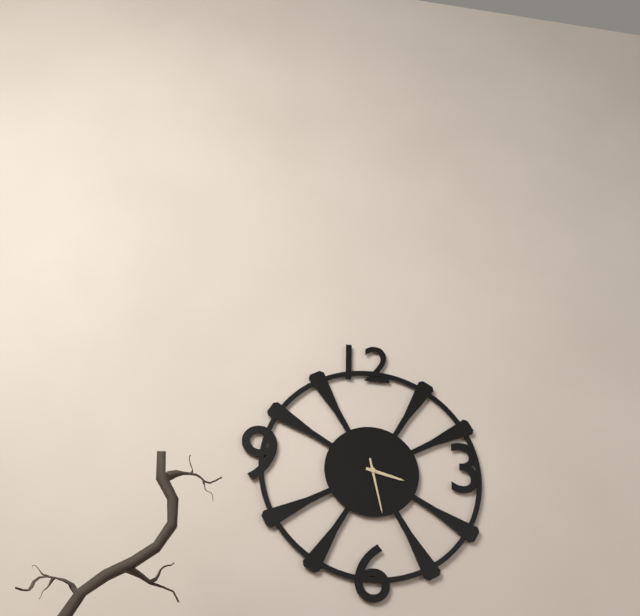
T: 3 h 28 min
